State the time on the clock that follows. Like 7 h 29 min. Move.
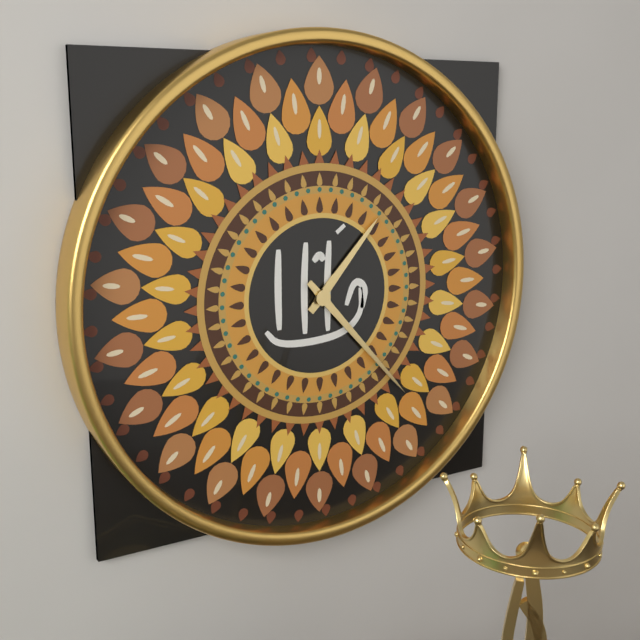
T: 1 h 23 min
